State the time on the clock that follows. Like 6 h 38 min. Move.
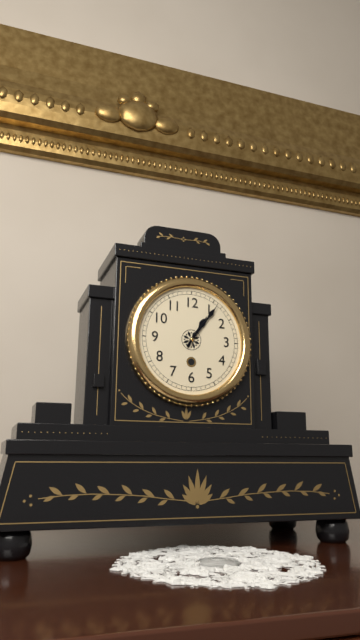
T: 1 h 06 min
